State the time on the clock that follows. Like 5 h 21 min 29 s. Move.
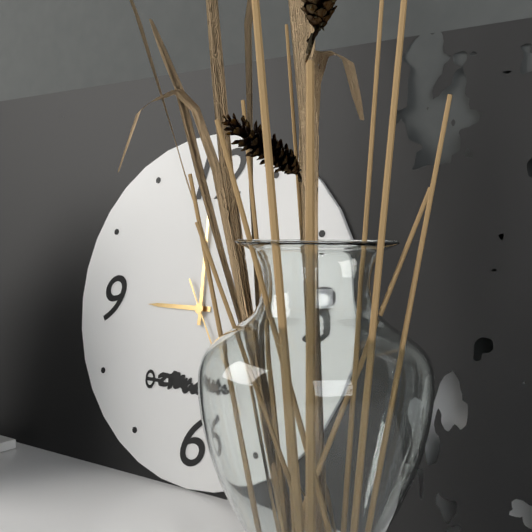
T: 9 h 00 min 25 s
